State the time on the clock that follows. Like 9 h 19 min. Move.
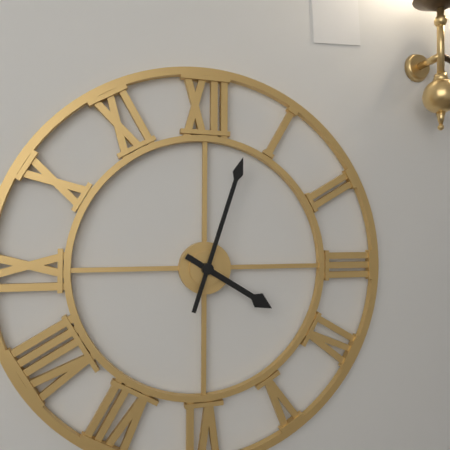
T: 4 h 03 min
